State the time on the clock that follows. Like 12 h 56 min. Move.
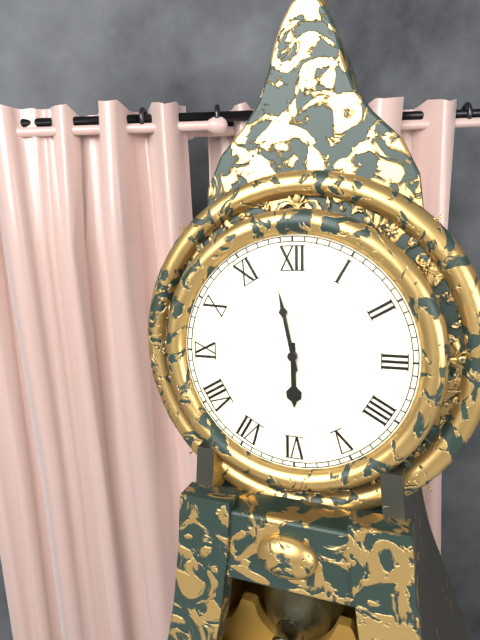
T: 5 h 58 min
